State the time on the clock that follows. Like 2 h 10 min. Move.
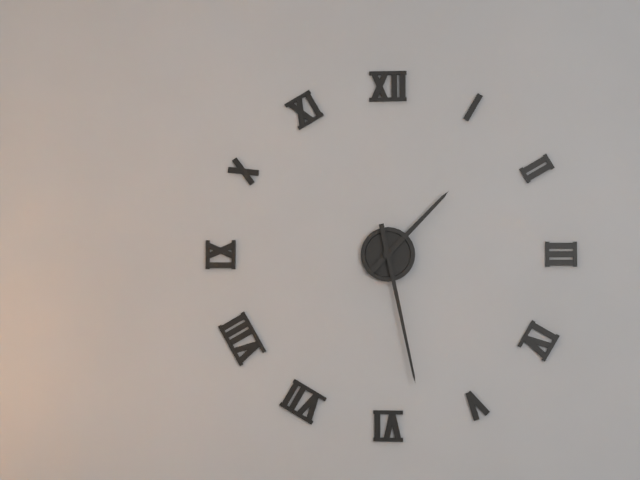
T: 1 h 28 min
